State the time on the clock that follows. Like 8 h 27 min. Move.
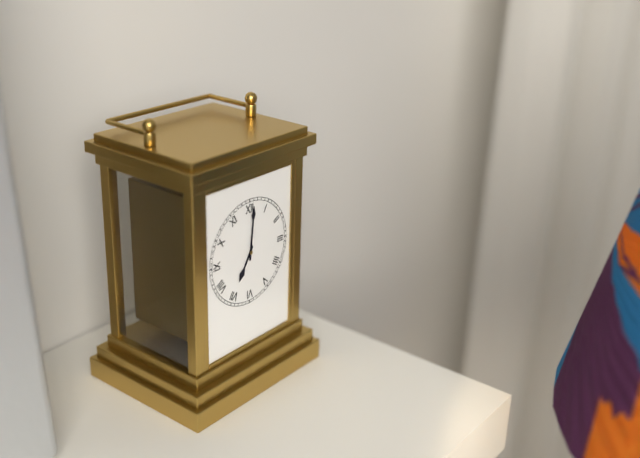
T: 7 h 01 min
